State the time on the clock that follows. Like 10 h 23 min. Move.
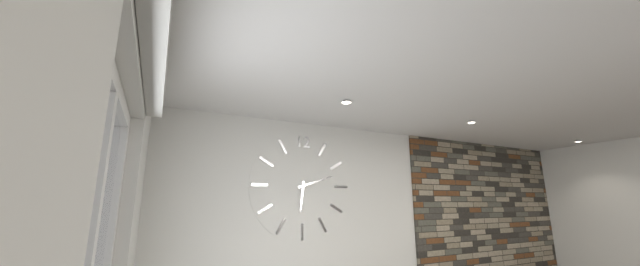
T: 6 h 12 min
